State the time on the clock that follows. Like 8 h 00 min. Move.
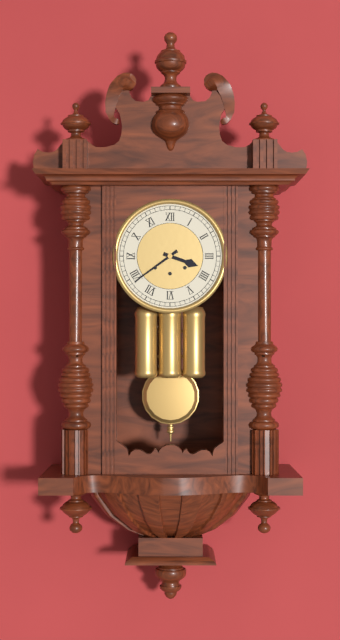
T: 3 h 39 min
